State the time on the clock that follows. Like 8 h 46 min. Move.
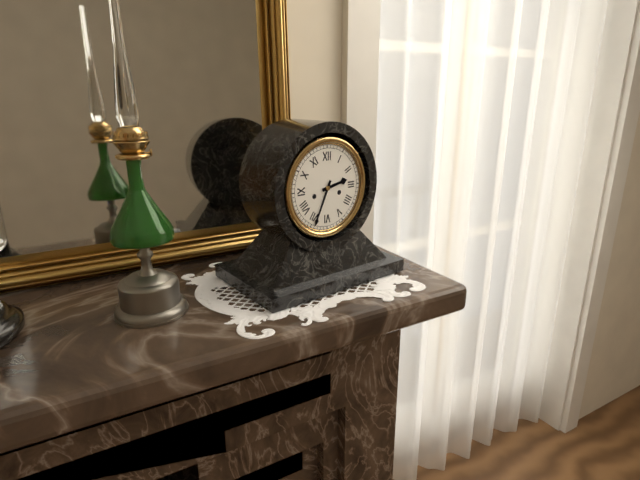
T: 2 h 34 min
